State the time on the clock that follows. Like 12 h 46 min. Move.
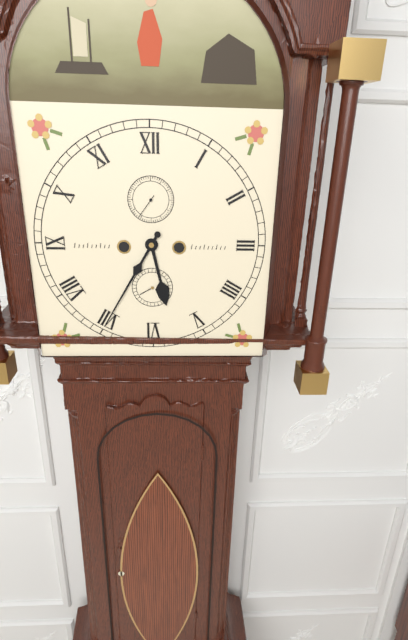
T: 5 h 35 min
